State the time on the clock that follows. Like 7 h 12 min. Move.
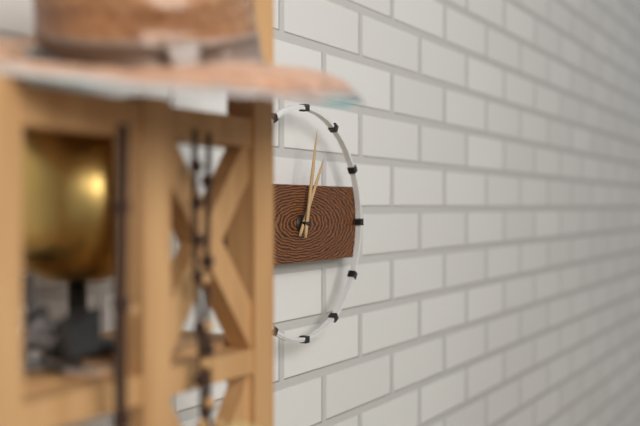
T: 1 h 02 min
